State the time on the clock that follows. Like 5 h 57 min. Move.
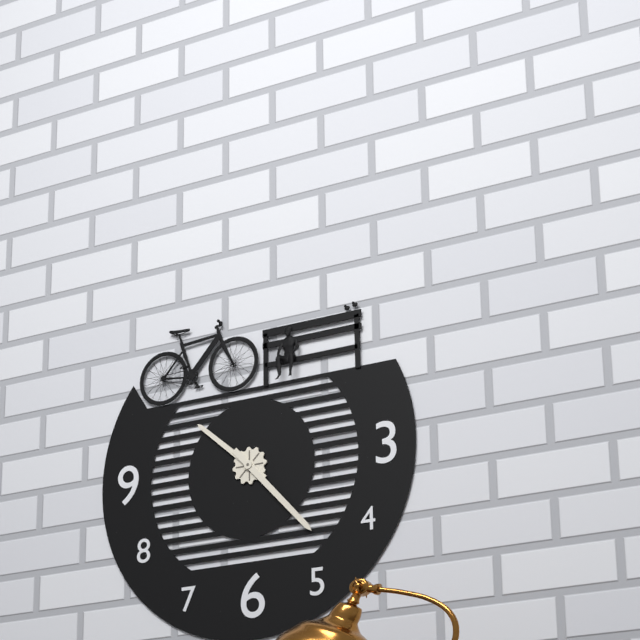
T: 10 h 23 min
